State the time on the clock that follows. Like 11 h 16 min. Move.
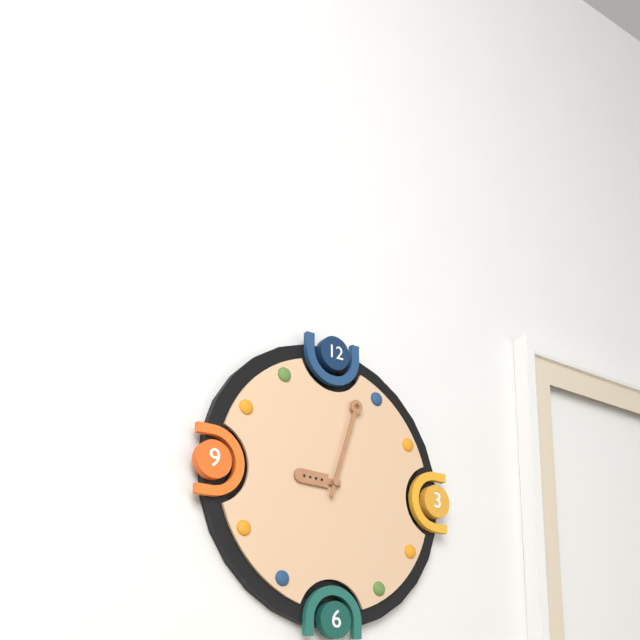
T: 9 h 03 min
